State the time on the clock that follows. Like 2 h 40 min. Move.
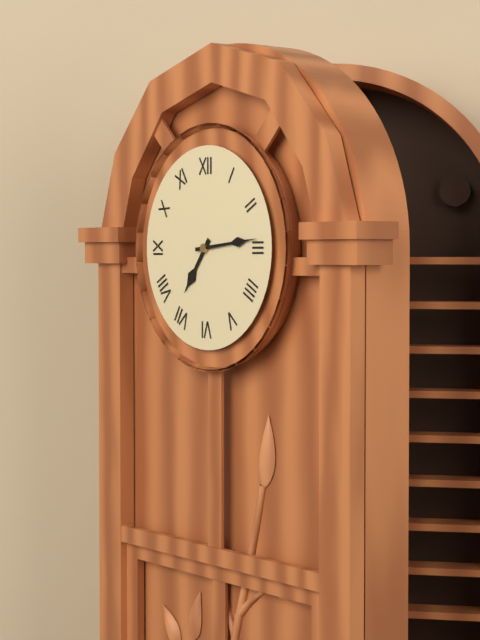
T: 7 h 14 min
